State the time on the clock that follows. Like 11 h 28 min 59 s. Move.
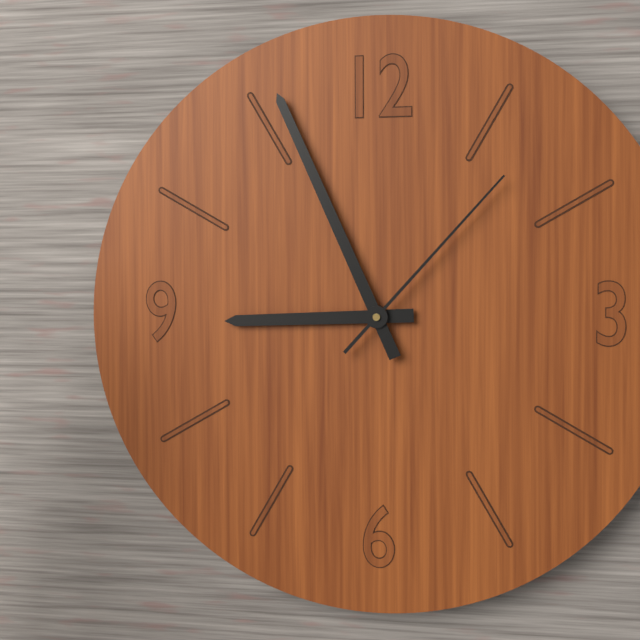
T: 8 h 56 min 07 s
